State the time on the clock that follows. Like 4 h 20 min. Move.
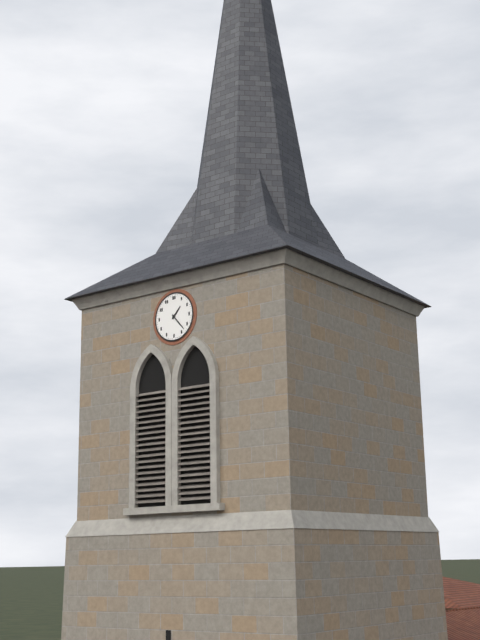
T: 1 h 23 min
